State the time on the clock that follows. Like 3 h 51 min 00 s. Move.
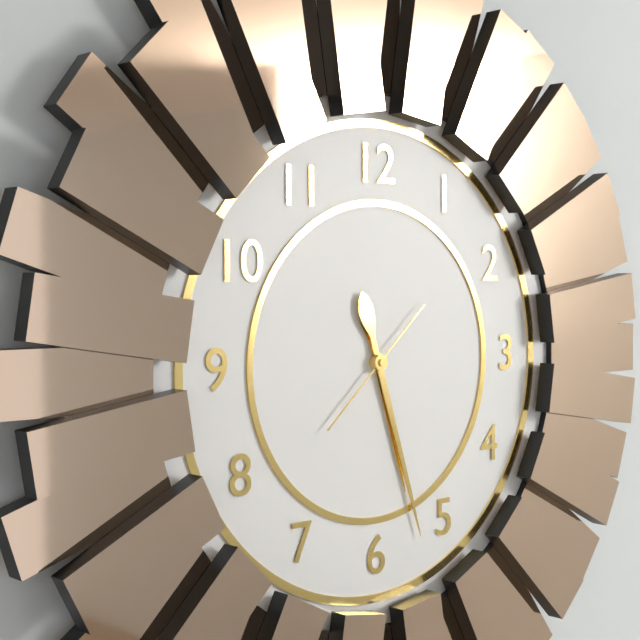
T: 5 h 27 min 38 s
